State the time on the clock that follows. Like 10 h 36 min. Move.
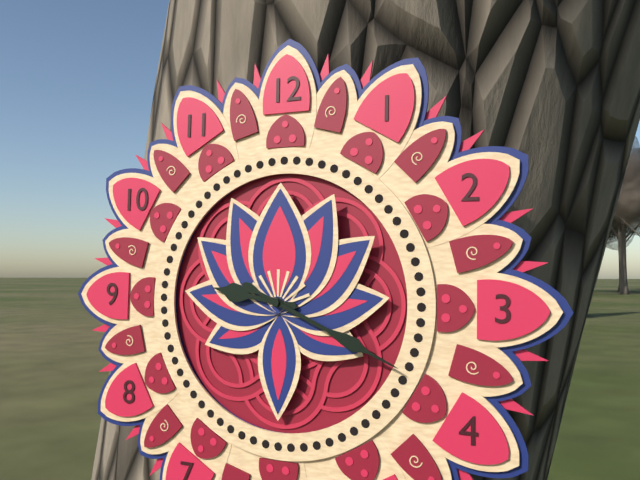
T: 9 h 19 min
